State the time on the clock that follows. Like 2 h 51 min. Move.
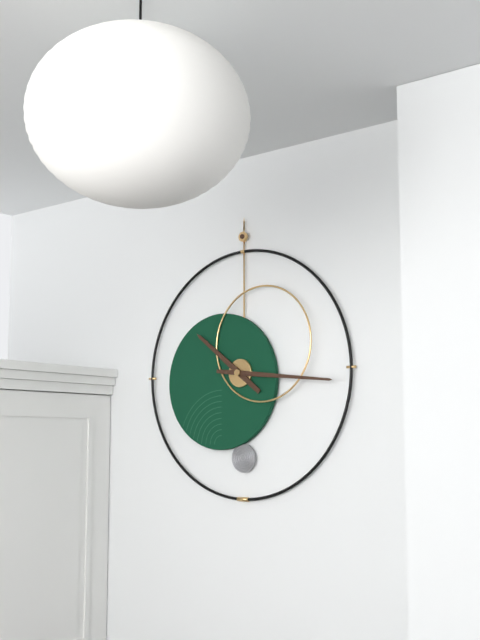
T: 10 h 16 min
